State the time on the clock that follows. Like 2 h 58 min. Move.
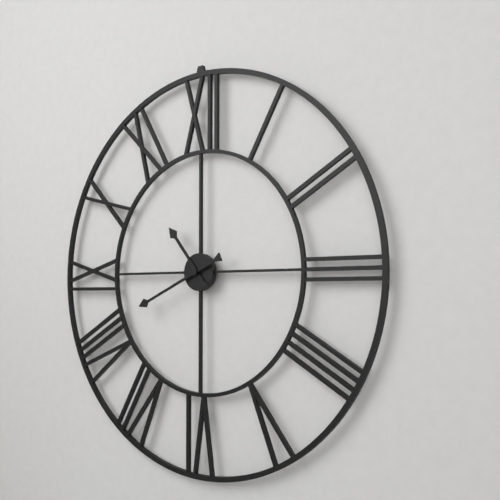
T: 10 h 41 min
